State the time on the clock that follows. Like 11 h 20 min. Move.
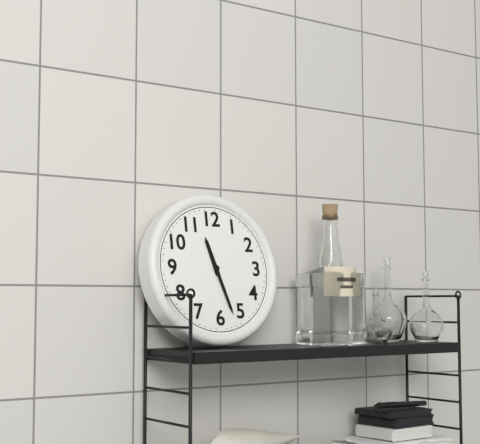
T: 11 h 27 min
